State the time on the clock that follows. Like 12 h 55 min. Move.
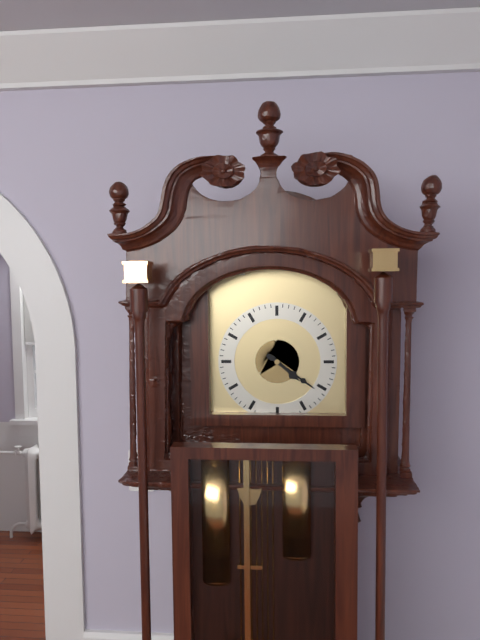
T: 4 h 21 min
